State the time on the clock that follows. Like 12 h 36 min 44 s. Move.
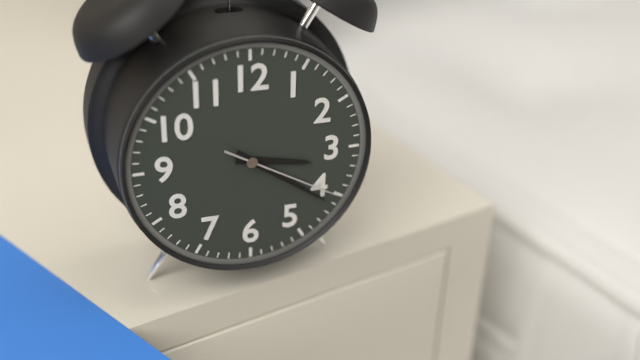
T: 3 h 21 min 20 s
